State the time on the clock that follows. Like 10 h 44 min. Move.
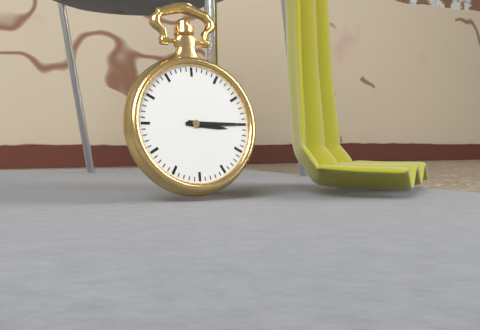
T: 3 h 15 min
